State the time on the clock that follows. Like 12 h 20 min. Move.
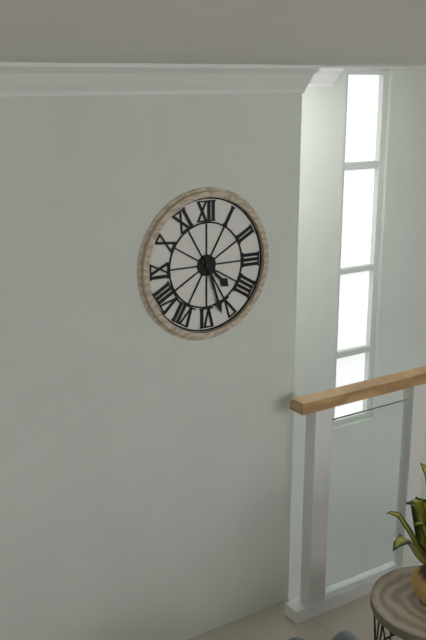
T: 4 h 27 min
